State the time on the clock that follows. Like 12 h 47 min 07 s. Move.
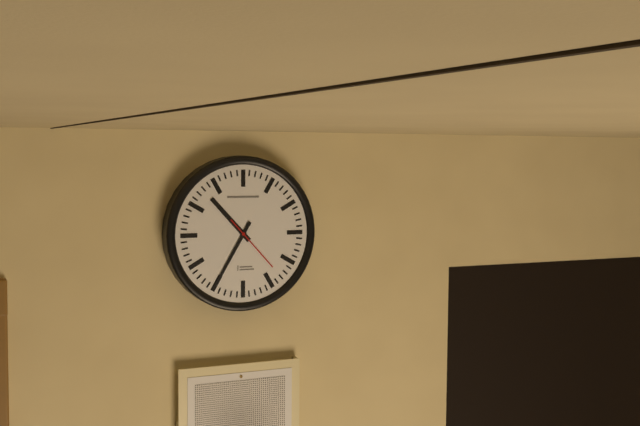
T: 10 h 35 min 23 s
